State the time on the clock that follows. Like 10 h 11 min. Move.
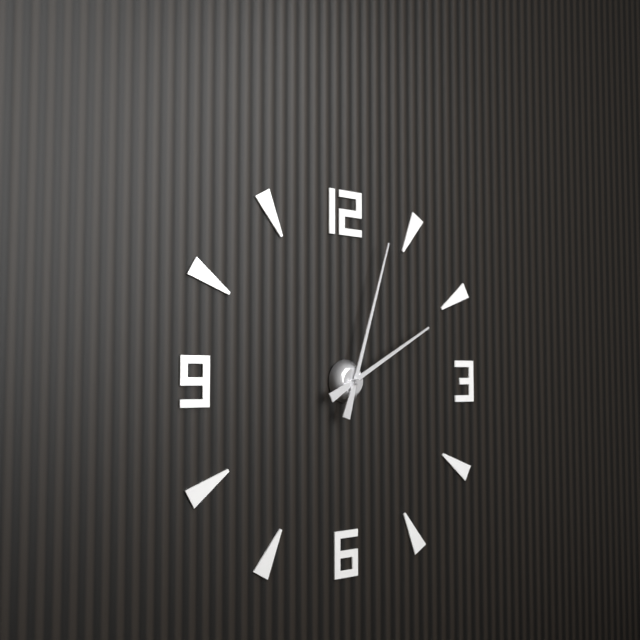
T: 2 h 03 min
